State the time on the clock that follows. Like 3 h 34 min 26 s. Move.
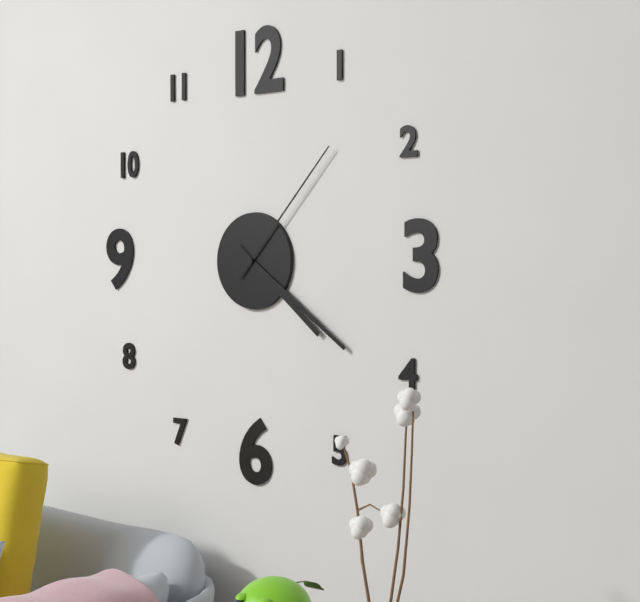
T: 4 h 21 min 07 s
